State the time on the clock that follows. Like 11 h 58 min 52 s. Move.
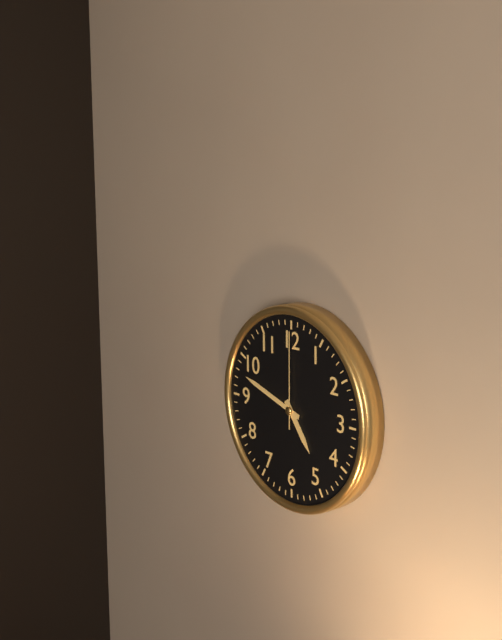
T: 4 h 48 min 00 s
